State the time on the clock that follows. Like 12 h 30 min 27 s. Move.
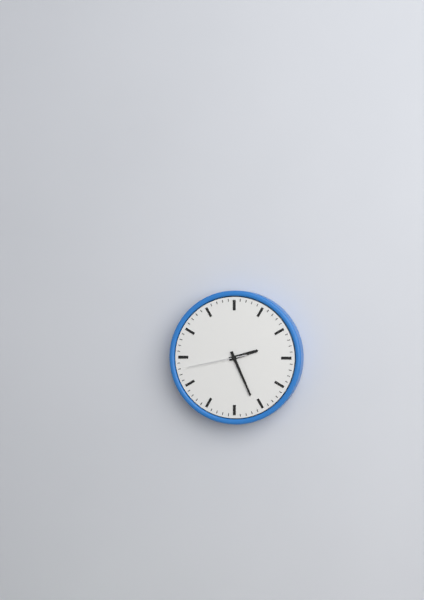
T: 2 h 26 min 43 s
